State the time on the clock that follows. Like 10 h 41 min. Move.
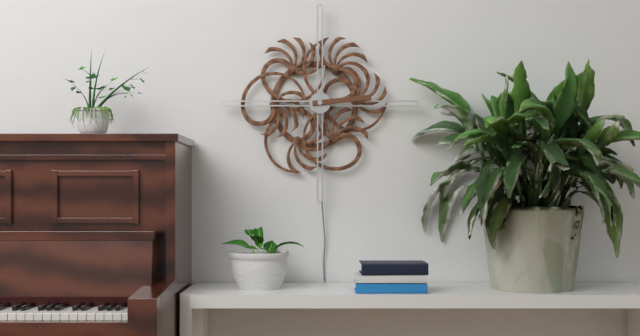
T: 12 h 14 min
